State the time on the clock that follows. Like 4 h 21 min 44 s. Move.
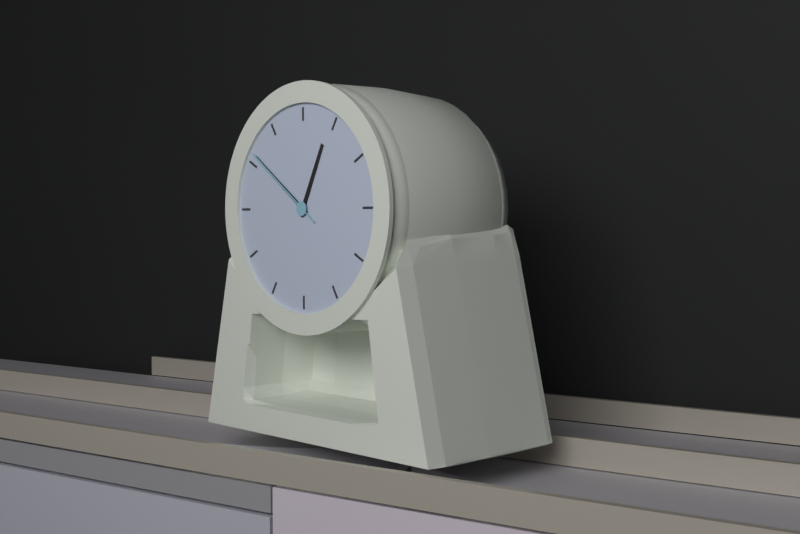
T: 12 h 51 min 51 s
